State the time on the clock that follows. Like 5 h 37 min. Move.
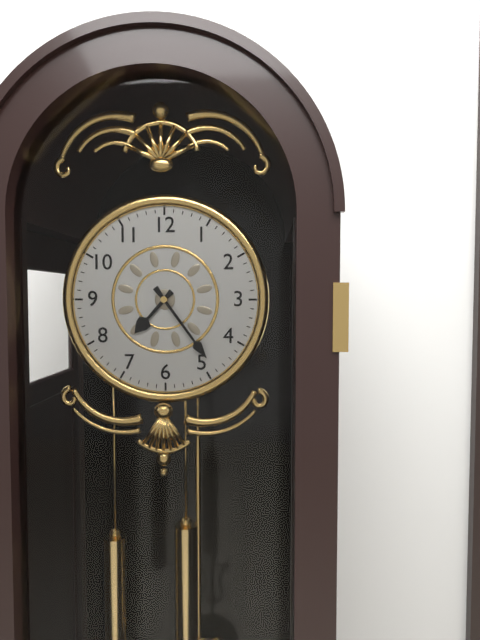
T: 7 h 24 min
